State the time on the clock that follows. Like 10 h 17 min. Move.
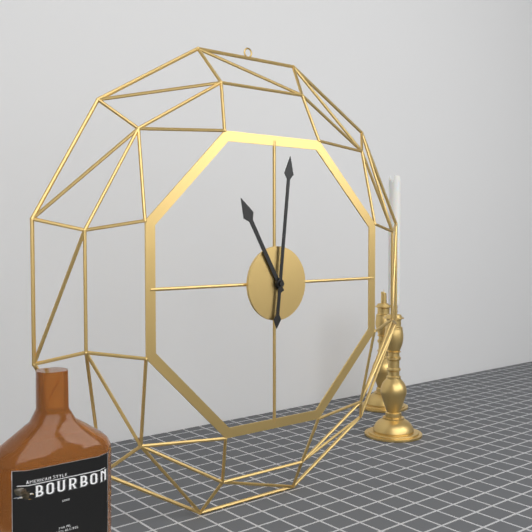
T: 11 h 01 min
